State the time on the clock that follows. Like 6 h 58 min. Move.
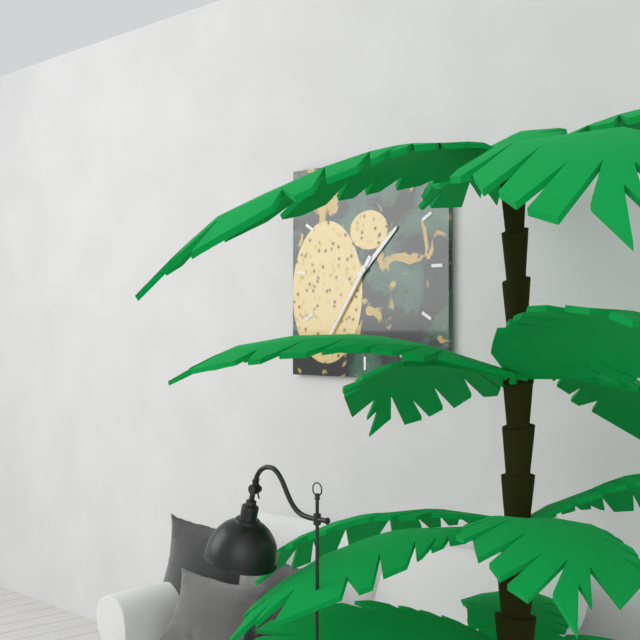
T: 1 h 36 min
